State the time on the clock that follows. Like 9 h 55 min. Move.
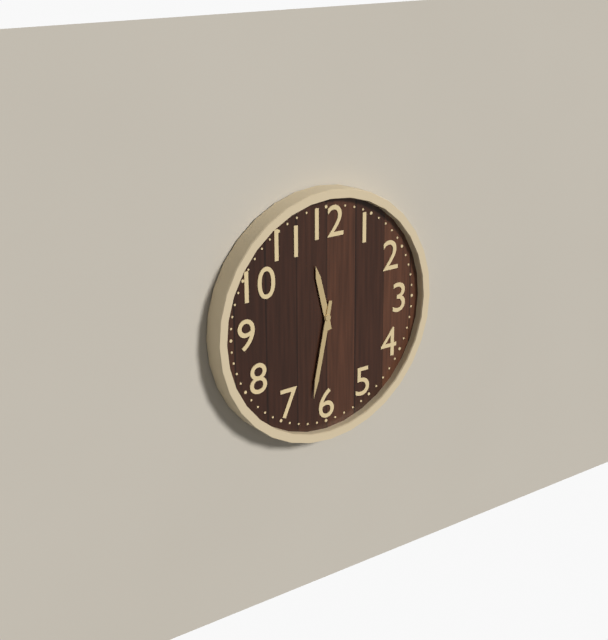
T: 11 h 32 min
